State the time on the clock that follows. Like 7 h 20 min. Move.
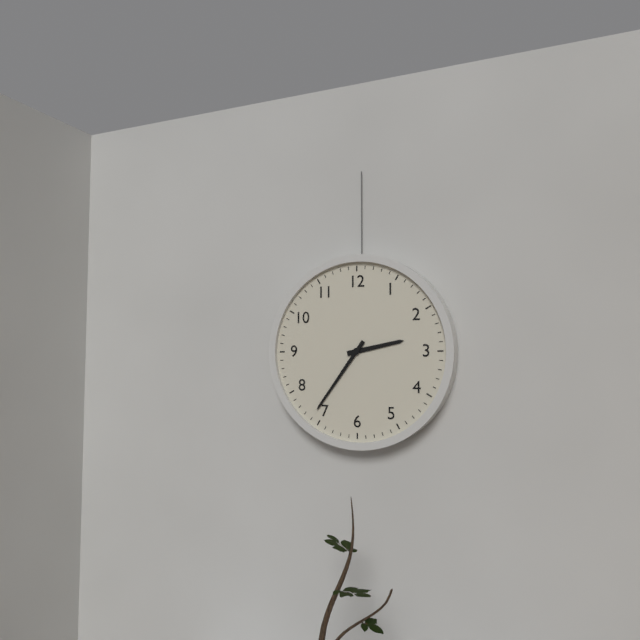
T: 2 h 36 min
